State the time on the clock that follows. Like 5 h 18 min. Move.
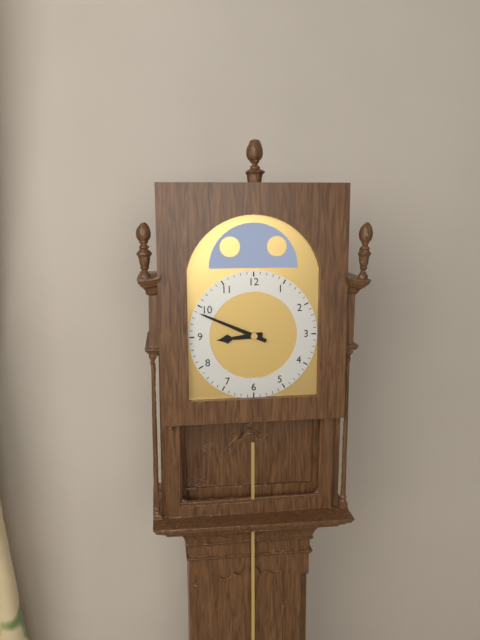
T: 8 h 49 min
